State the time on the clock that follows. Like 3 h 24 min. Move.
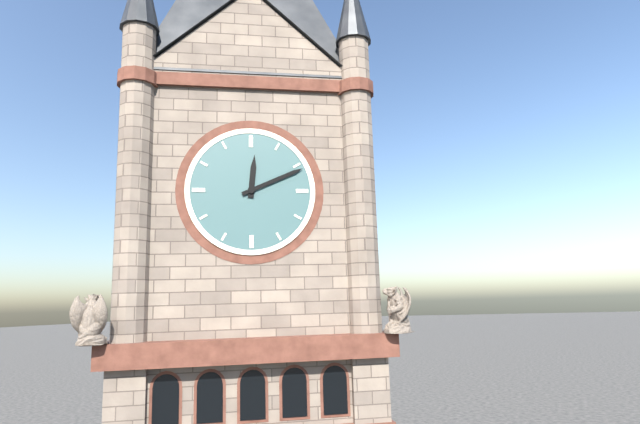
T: 12 h 11 min
